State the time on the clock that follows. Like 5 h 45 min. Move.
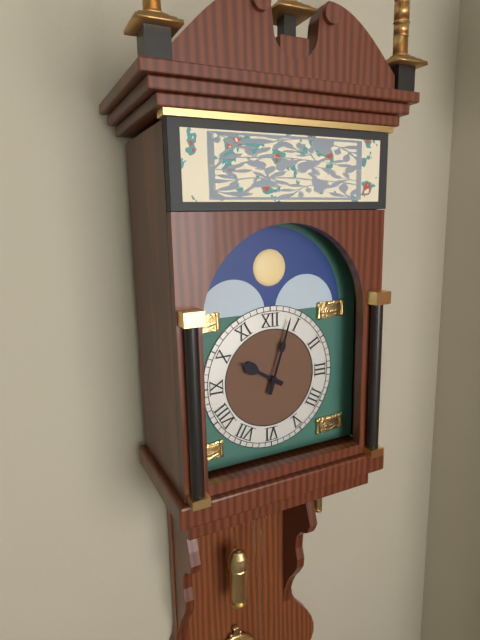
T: 10 h 03 min
